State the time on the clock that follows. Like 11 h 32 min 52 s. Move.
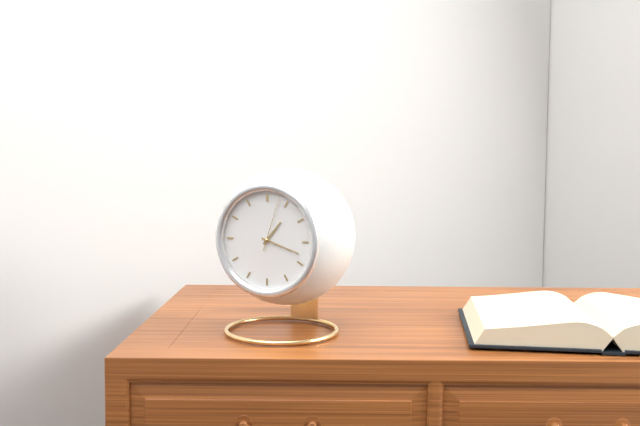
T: 1 h 18 min 03 s
